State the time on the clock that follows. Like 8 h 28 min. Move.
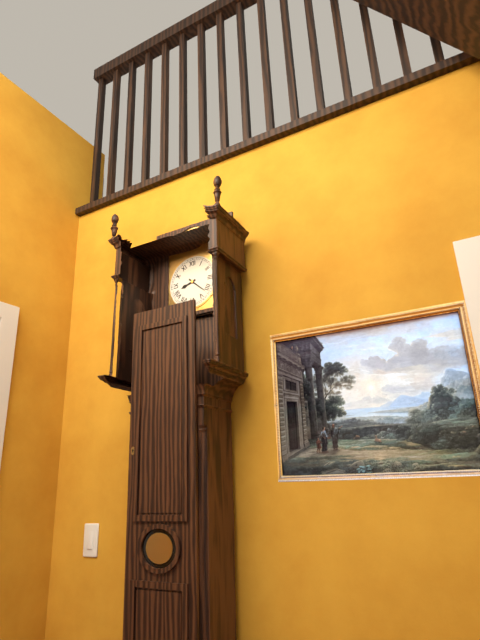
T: 8 h 22 min
